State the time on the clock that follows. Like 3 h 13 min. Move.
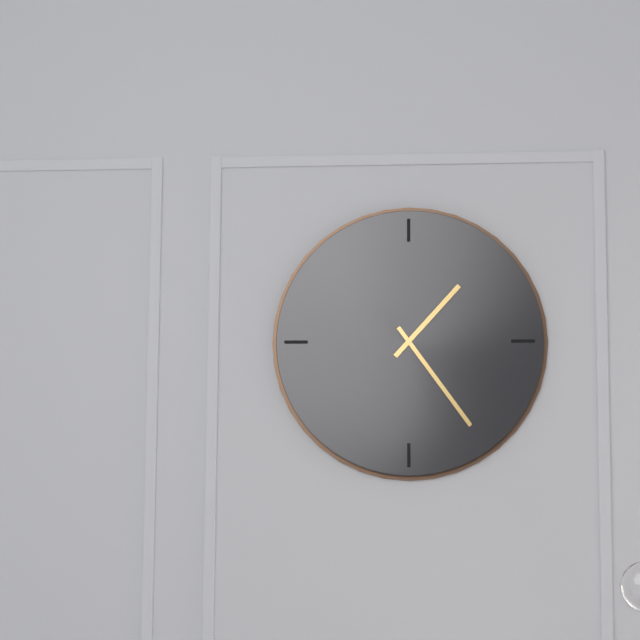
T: 1 h 24 min
